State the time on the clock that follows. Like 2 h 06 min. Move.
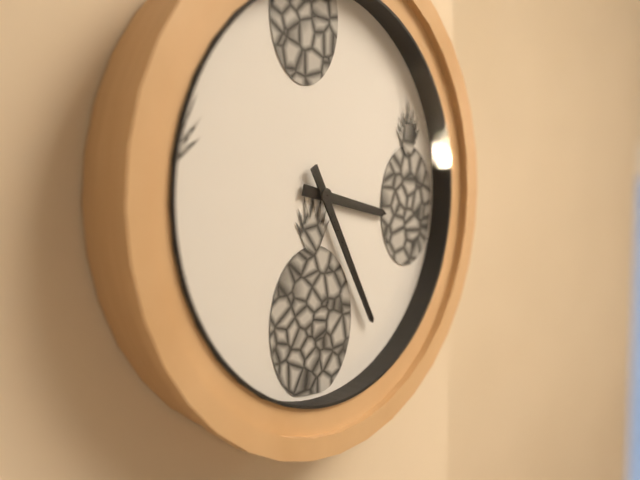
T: 3 h 25 min
